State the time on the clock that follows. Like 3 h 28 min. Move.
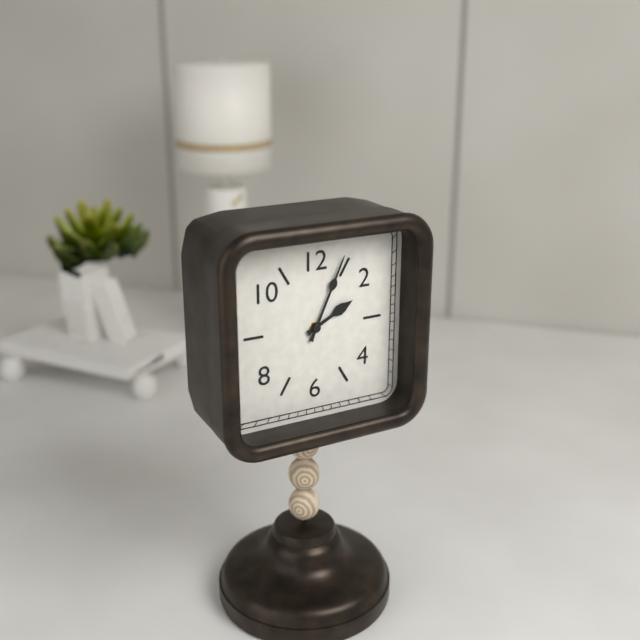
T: 2 h 04 min
